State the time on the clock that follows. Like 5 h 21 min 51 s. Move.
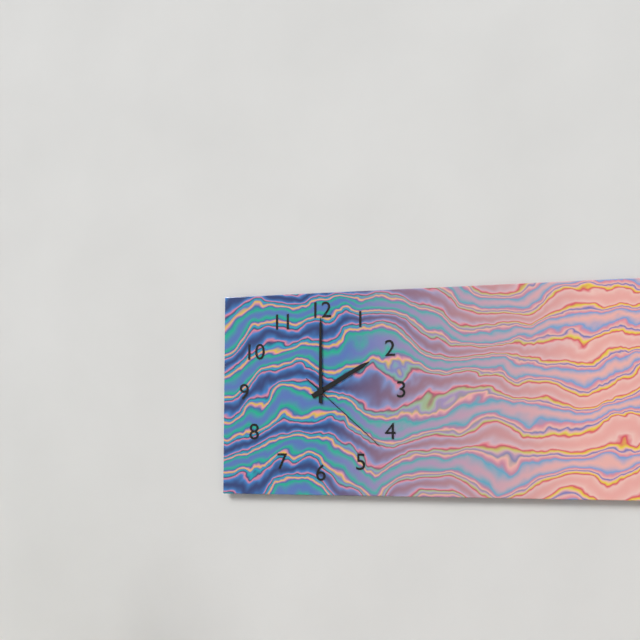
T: 2 h 00 min 22 s
